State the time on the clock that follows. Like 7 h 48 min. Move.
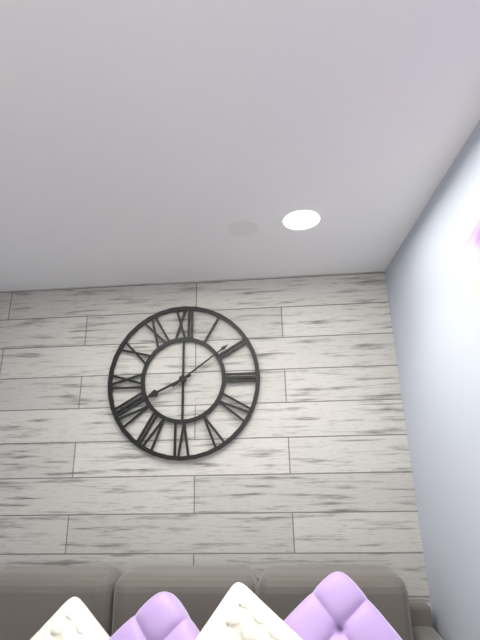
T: 8 h 09 min
